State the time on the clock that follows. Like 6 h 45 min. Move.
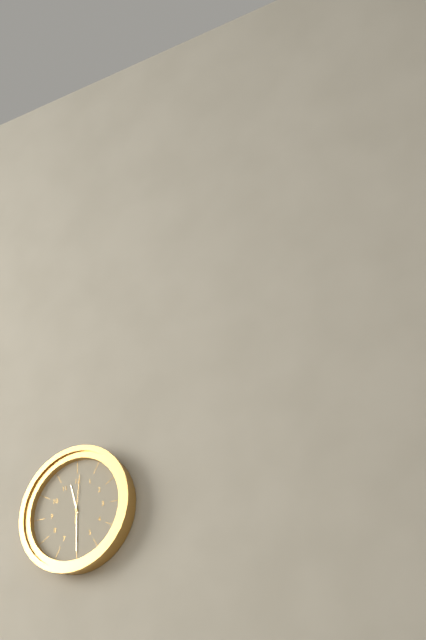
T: 11 h 30 min
